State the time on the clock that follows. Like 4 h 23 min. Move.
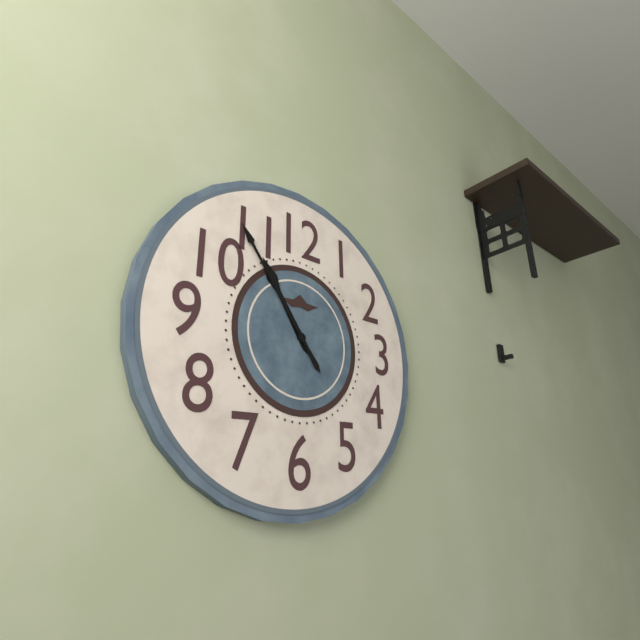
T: 10 h 54 min
